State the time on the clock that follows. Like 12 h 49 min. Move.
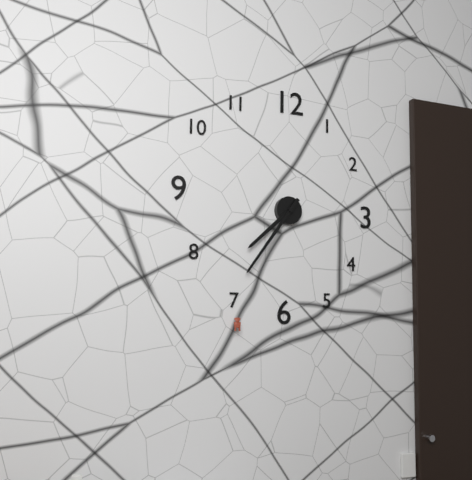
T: 7 h 36 min
